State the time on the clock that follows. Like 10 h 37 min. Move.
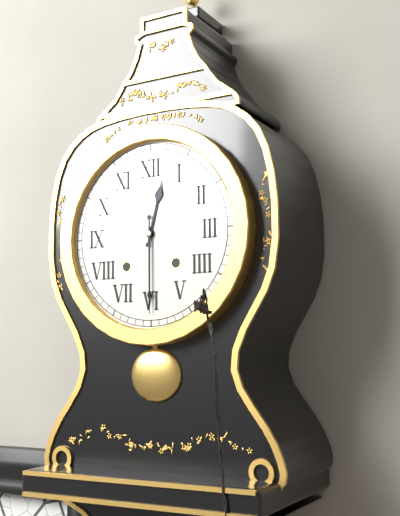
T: 12 h 30 min
